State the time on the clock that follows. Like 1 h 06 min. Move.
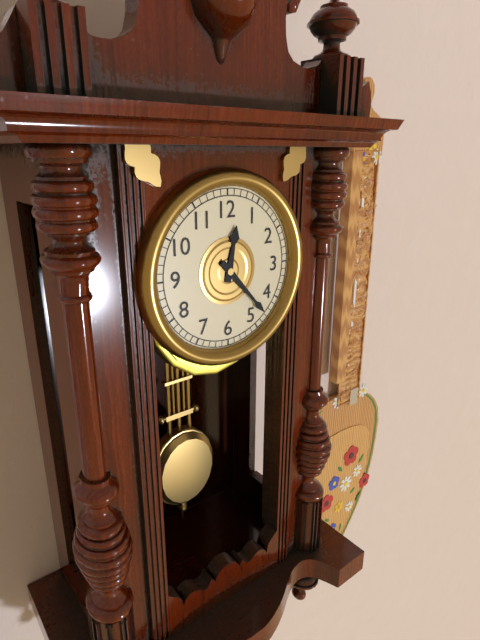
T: 12 h 23 min
